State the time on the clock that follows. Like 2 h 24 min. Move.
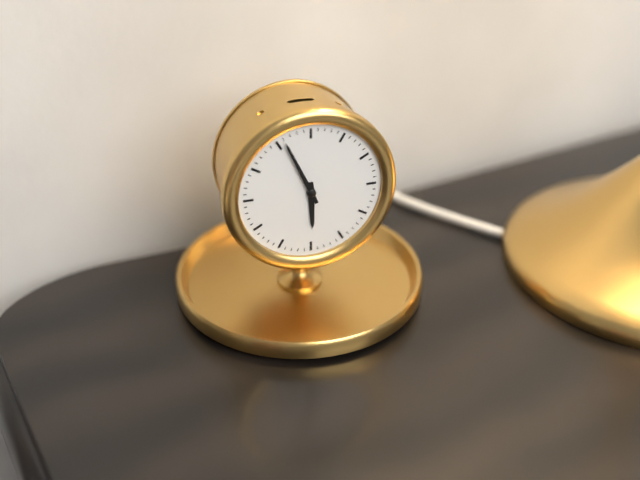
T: 5 h 56 min
